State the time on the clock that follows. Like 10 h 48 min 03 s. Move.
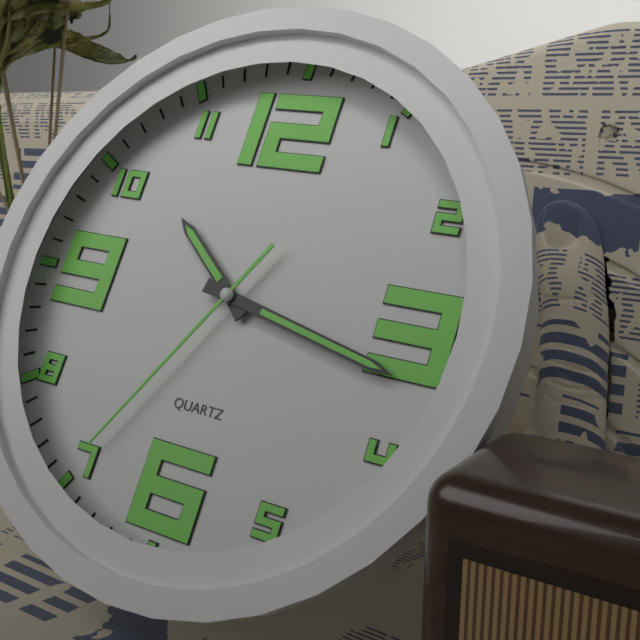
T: 10 h 17 min 35 s
